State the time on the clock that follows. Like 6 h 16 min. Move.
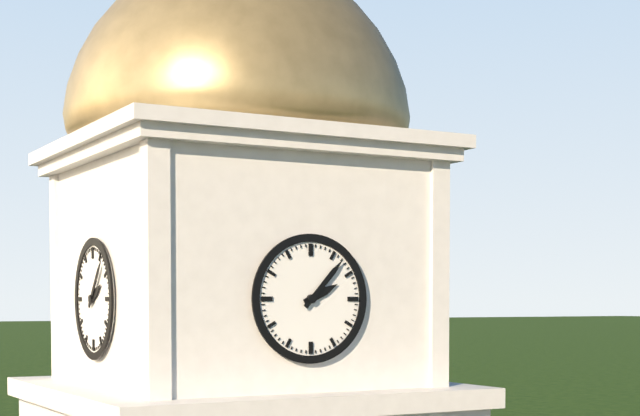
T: 2 h 07 min
